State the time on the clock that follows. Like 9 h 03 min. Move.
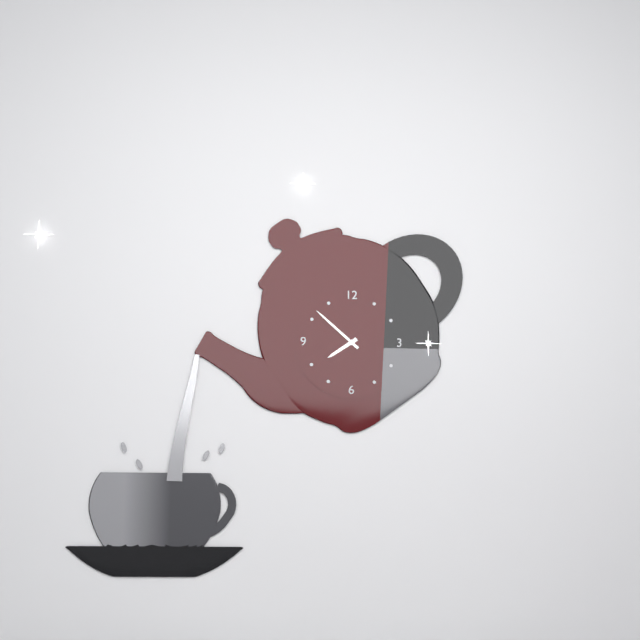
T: 7 h 52 min
